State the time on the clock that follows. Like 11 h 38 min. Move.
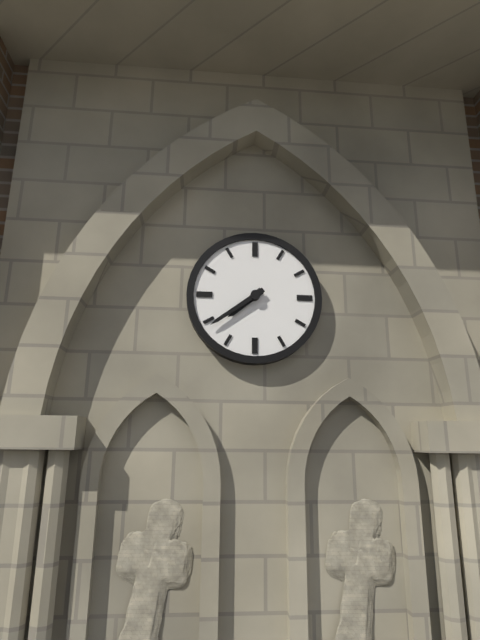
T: 7 h 39 min
